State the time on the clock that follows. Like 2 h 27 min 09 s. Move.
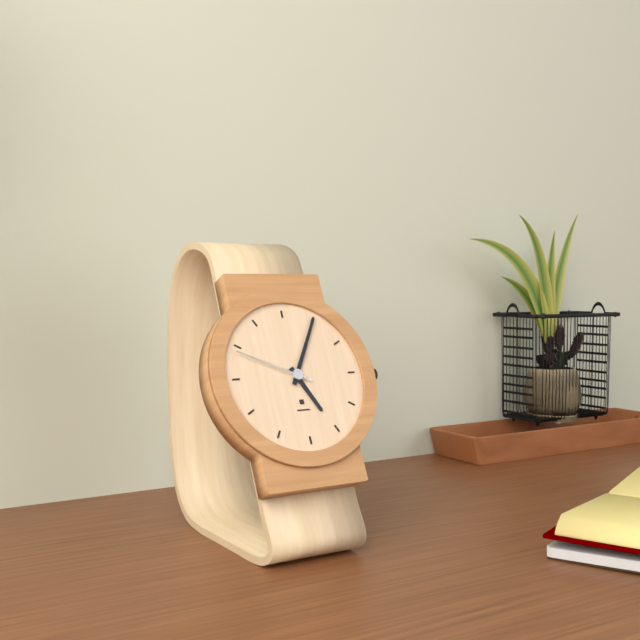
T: 5 h 05 min 49 s
